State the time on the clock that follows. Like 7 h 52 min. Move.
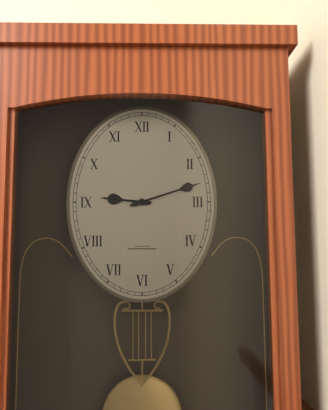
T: 9 h 12 min
